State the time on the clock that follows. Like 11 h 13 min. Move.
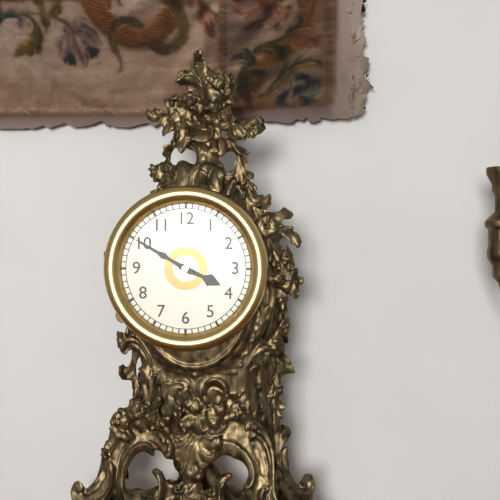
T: 3 h 50 min
